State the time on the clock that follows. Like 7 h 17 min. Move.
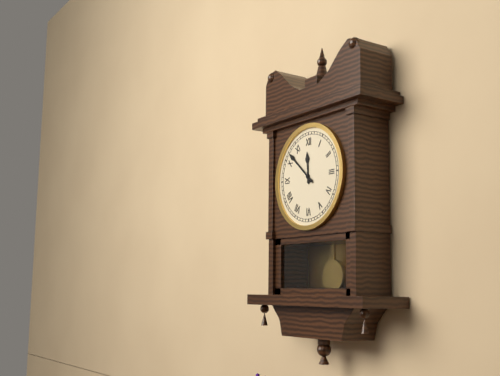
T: 11 h 52 min
